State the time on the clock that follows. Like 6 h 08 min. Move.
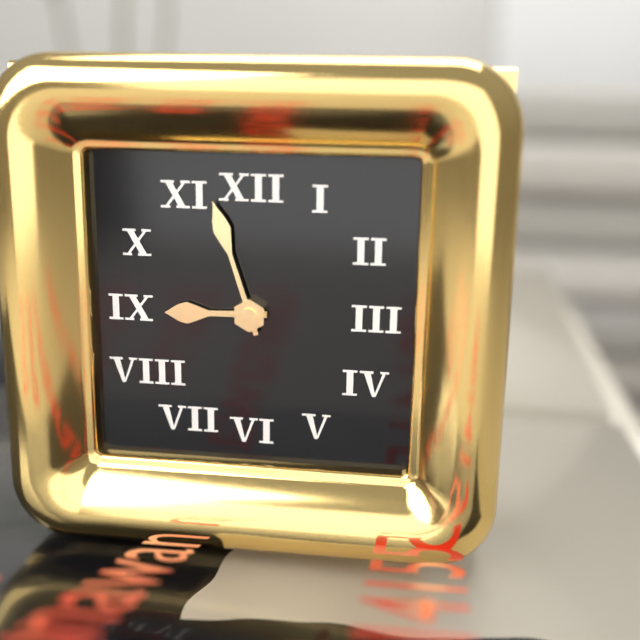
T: 8 h 57 min
